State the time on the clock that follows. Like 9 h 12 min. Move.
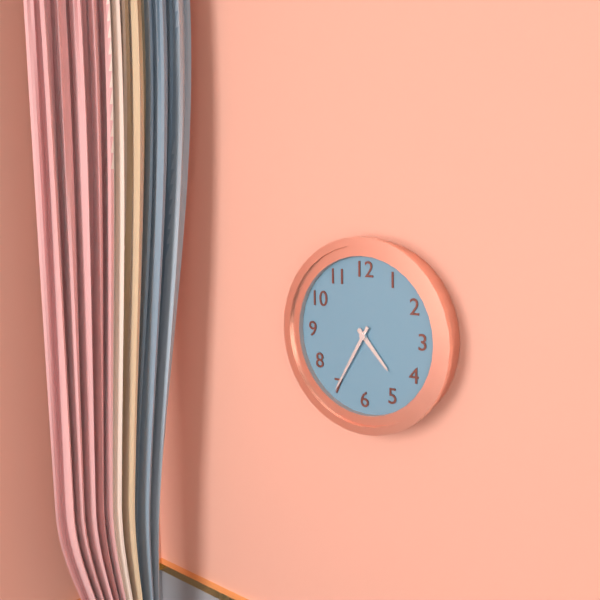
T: 4 h 35 min
